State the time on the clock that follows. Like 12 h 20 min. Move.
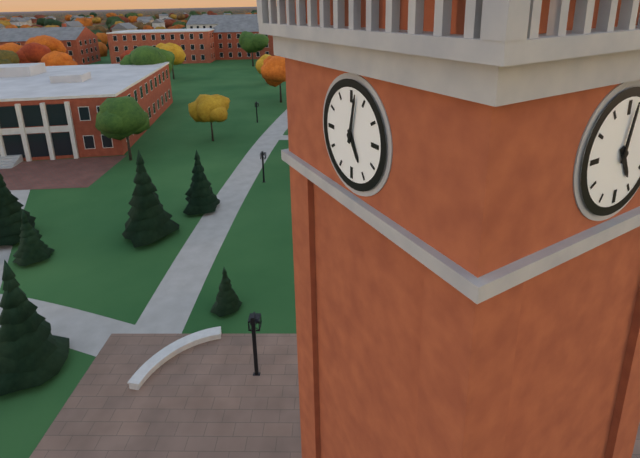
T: 5 h 02 min
